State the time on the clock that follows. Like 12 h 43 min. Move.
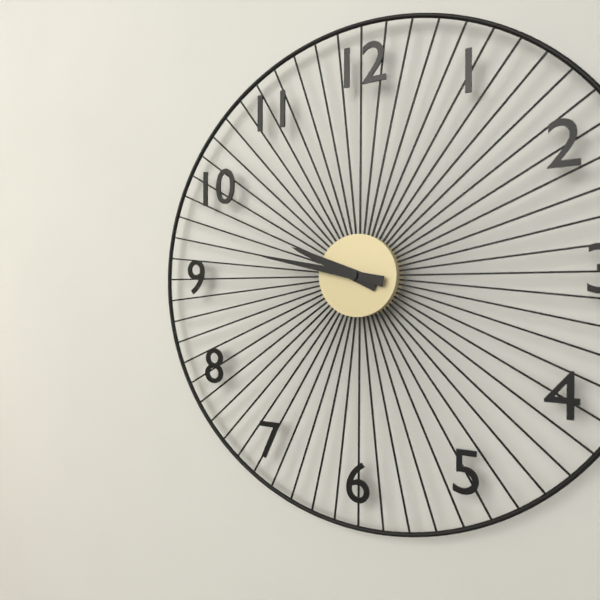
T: 9 h 47 min
